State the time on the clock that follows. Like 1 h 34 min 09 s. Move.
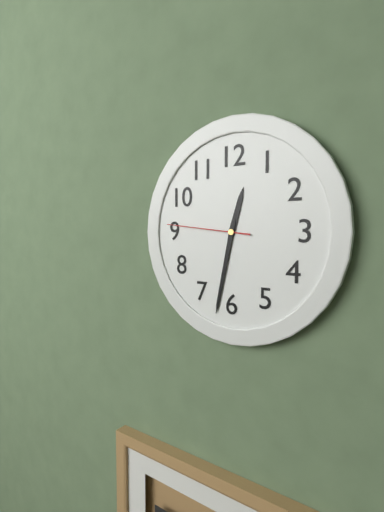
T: 12 h 32 min 46 s
